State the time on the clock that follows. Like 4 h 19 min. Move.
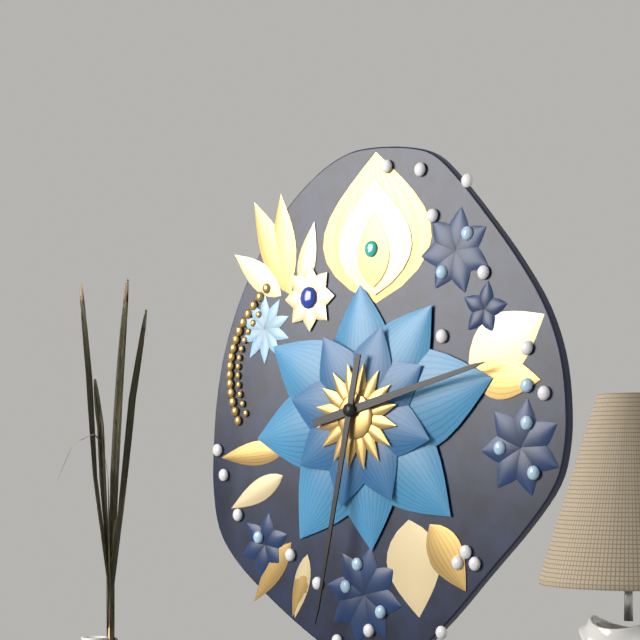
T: 2 h 32 min
